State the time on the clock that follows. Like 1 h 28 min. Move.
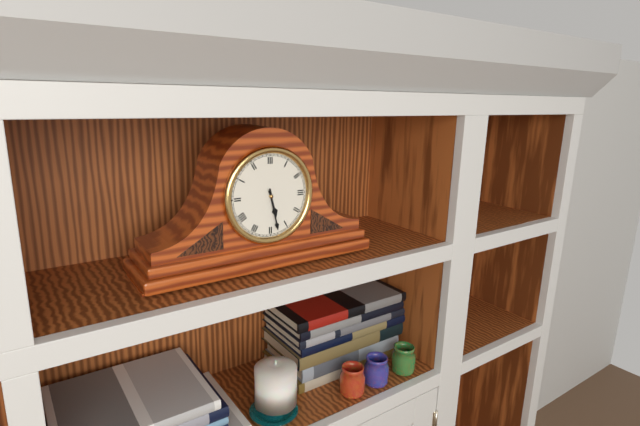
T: 5 h 28 min
